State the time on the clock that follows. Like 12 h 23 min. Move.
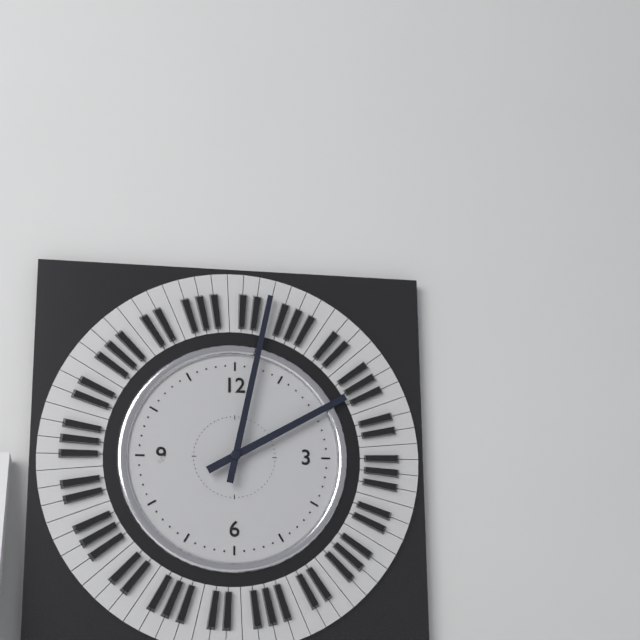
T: 2 h 02 min
